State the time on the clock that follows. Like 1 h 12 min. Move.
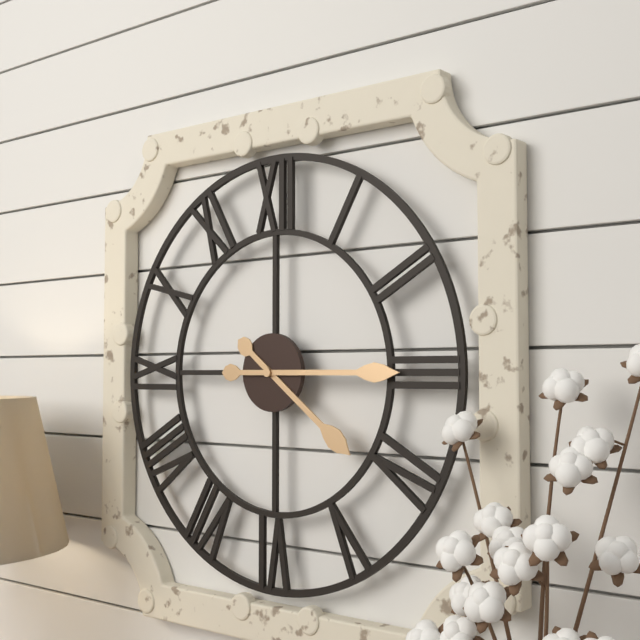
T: 4 h 15 min
